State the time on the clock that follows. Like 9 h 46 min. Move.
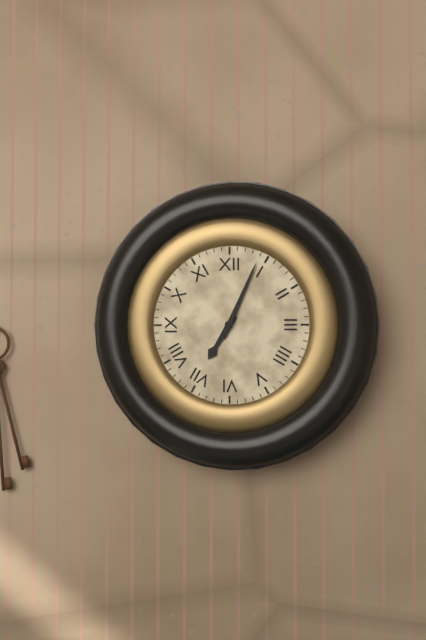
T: 7 h 04 min
